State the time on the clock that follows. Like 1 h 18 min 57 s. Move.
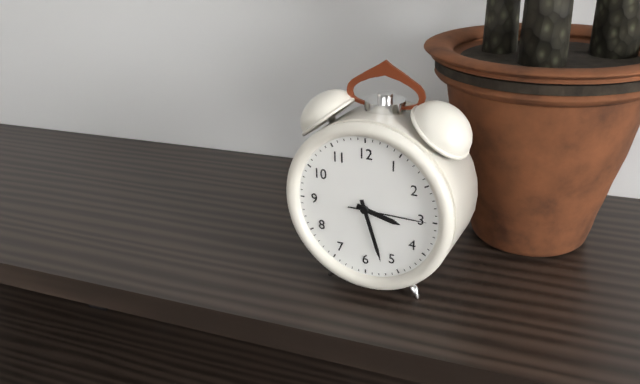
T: 3 h 27 min 15 s
